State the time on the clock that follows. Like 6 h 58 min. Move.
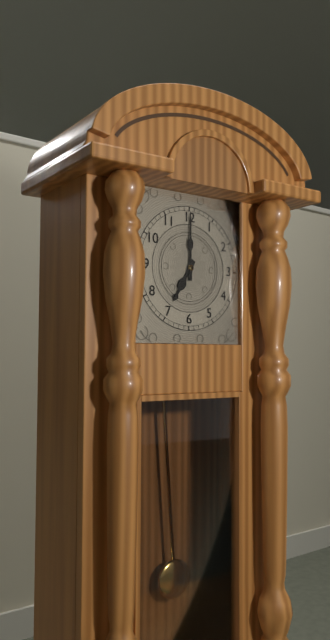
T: 7 h 00 min
